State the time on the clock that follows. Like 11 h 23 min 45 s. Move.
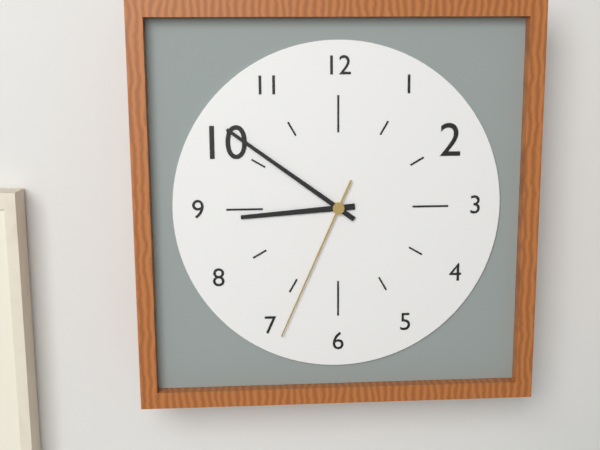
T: 8 h 51 min 34 s
